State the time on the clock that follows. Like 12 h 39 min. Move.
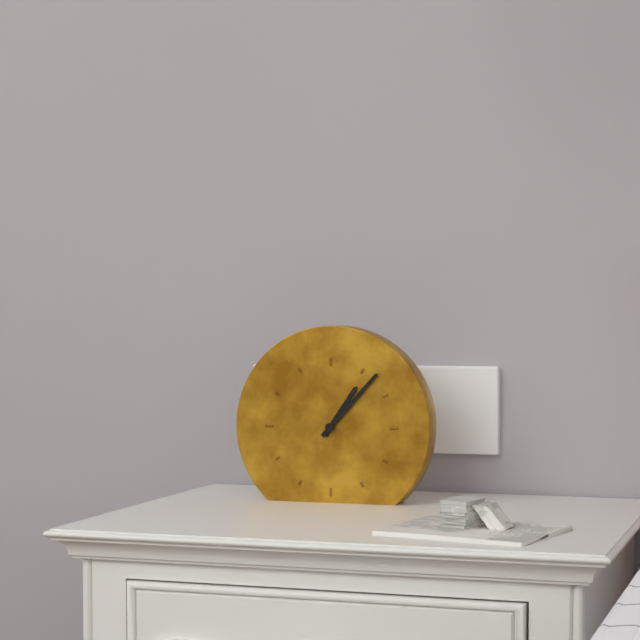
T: 1 h 07 min
